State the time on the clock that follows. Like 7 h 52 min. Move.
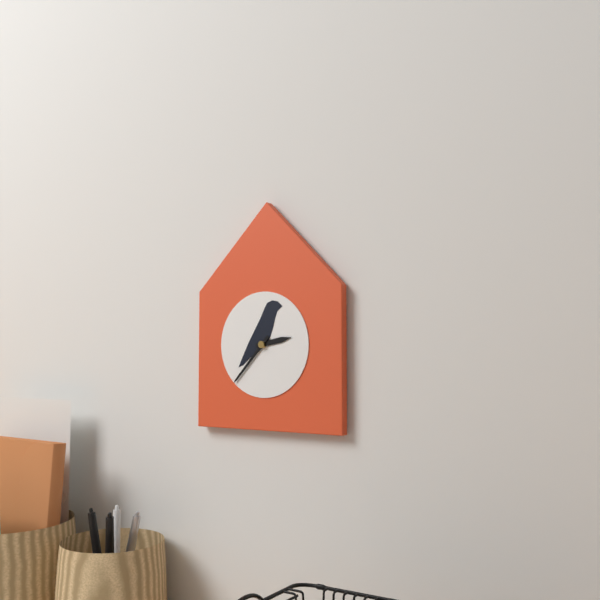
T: 2 h 37 min
